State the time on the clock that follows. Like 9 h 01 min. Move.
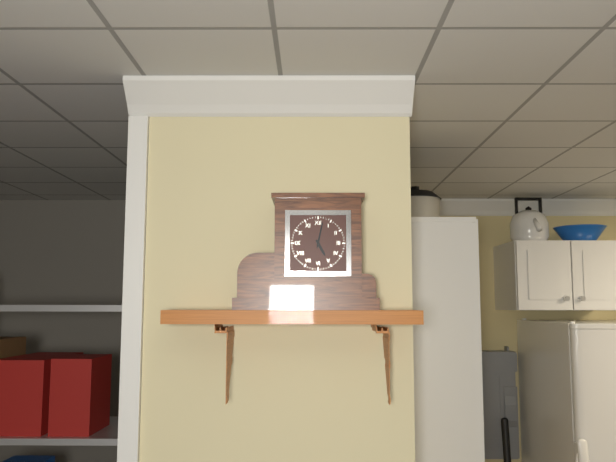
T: 5 h 02 min
